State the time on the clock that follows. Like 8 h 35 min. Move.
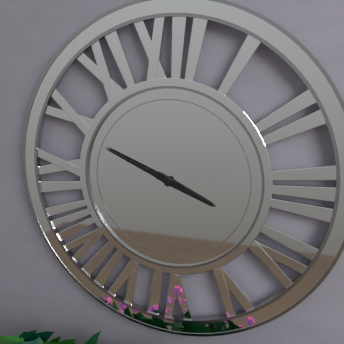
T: 3 h 49 min
